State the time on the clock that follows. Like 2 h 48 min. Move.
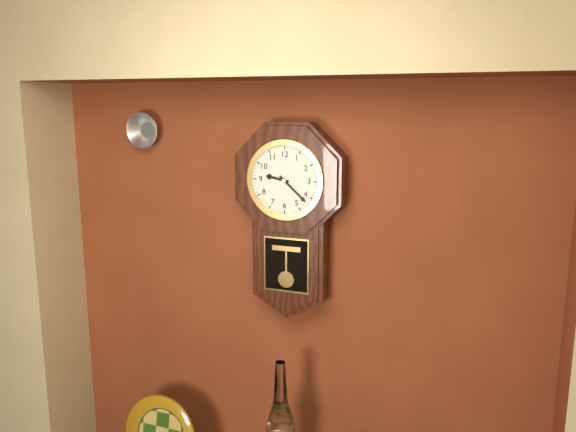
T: 9 h 22 min
